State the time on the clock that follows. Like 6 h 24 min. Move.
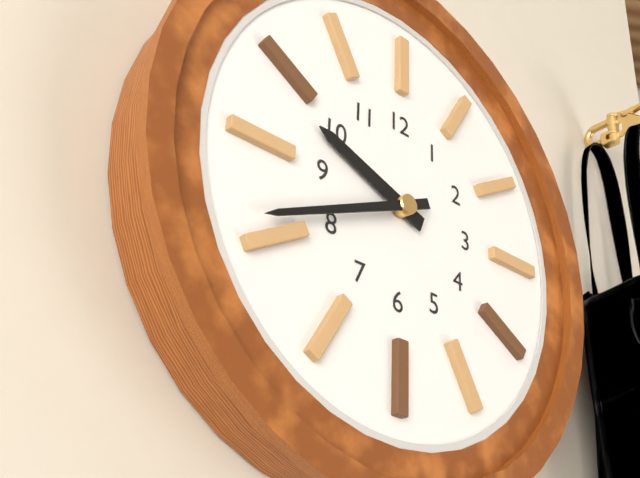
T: 9 h 41 min
